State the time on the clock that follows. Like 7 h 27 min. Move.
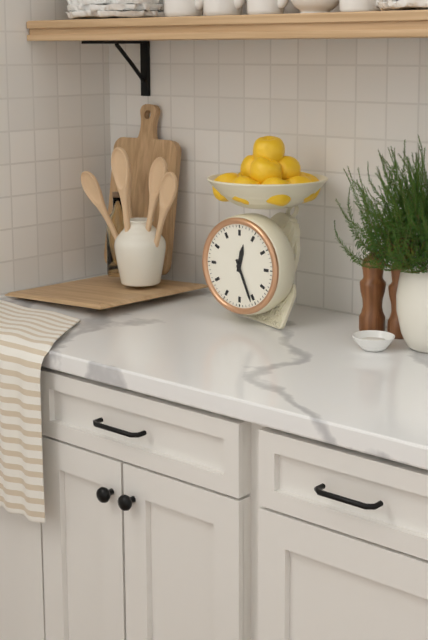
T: 12 h 26 min
